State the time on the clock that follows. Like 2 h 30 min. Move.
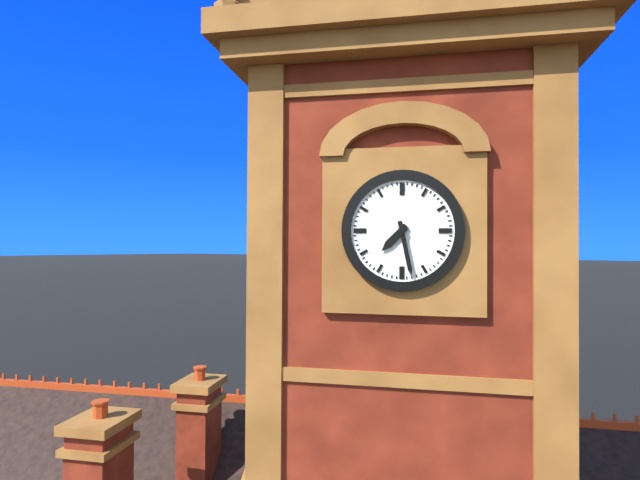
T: 7 h 28 min
